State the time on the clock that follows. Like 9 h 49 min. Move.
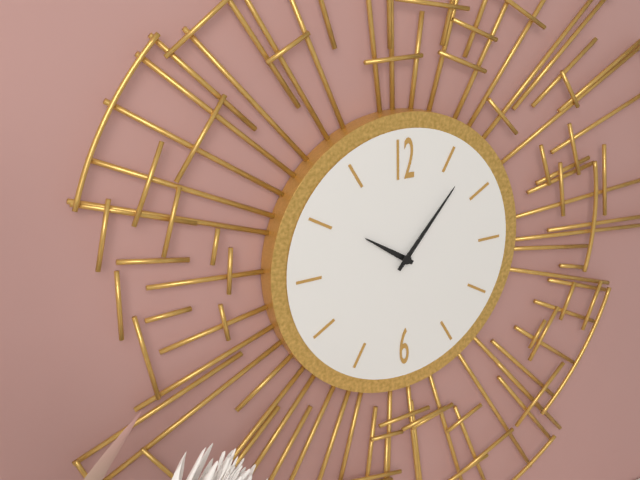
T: 10 h 07 min
